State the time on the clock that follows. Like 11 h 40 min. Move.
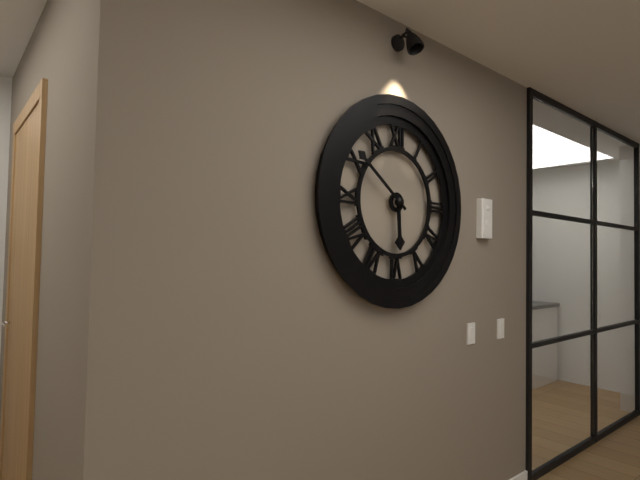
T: 5 h 51 min
